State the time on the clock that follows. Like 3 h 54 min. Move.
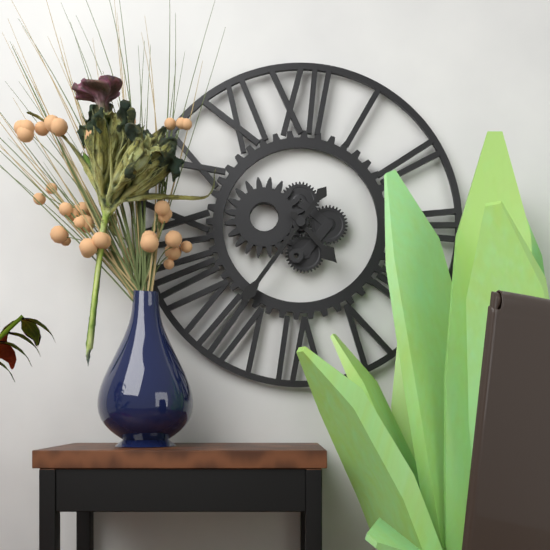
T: 4 h 36 min
